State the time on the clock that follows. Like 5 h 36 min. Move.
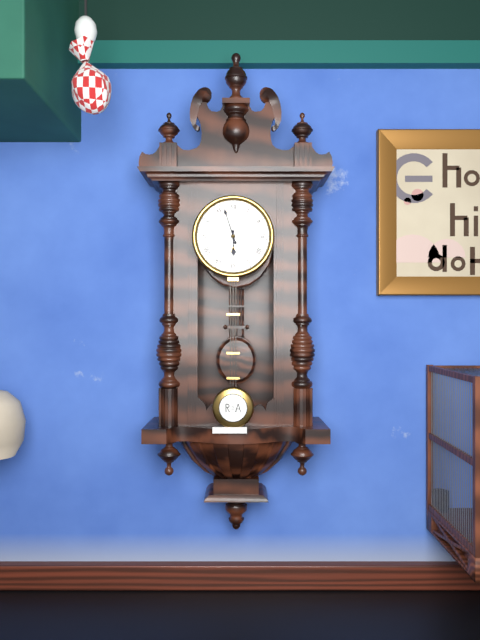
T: 5 h 57 min
